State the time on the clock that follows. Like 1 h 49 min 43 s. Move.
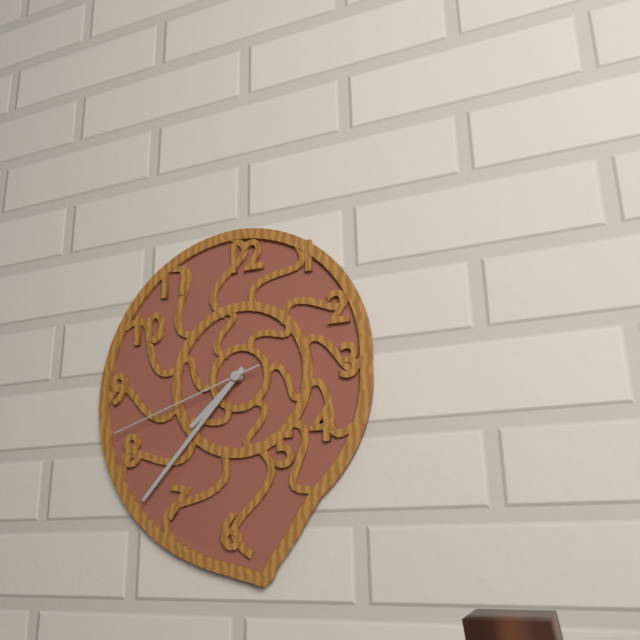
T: 7 h 37 min 42 s
